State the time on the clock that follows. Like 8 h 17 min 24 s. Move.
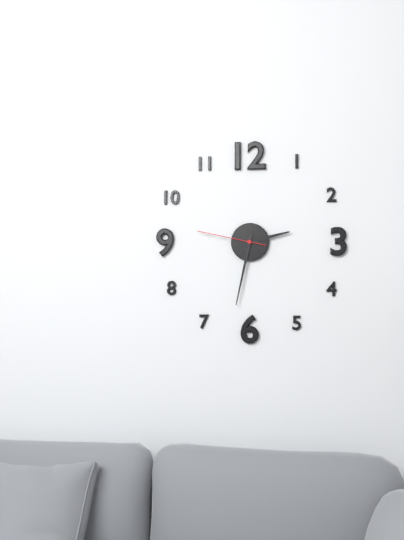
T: 2 h 32 min 47 s
